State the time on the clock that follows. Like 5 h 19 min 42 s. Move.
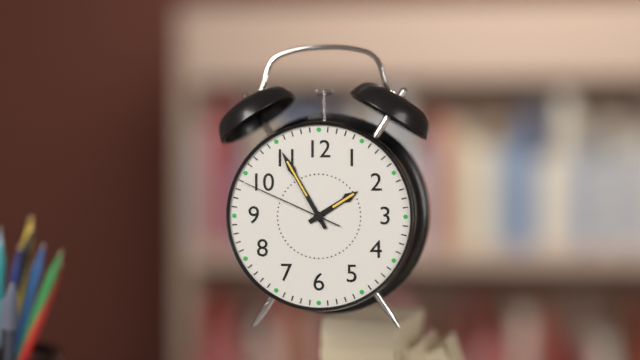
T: 1 h 55 min 49 s
